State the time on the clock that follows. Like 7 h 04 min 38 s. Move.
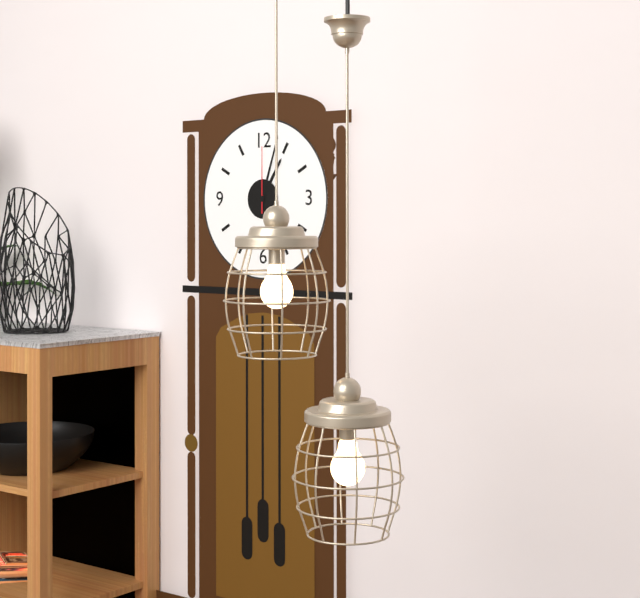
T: 1 h 03 min 00 s
